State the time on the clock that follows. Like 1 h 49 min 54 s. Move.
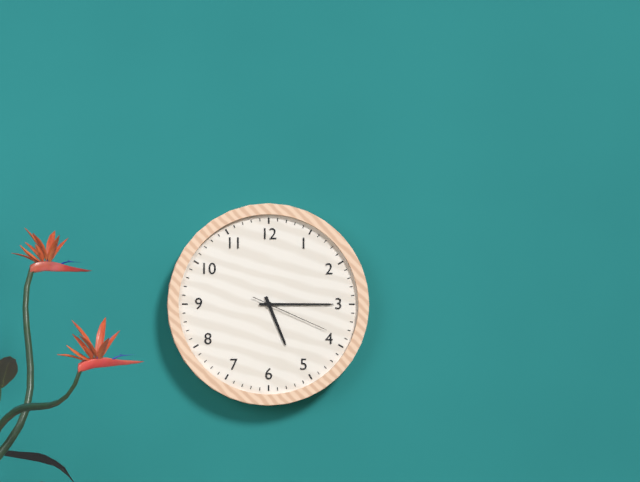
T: 5 h 15 min 19 s
